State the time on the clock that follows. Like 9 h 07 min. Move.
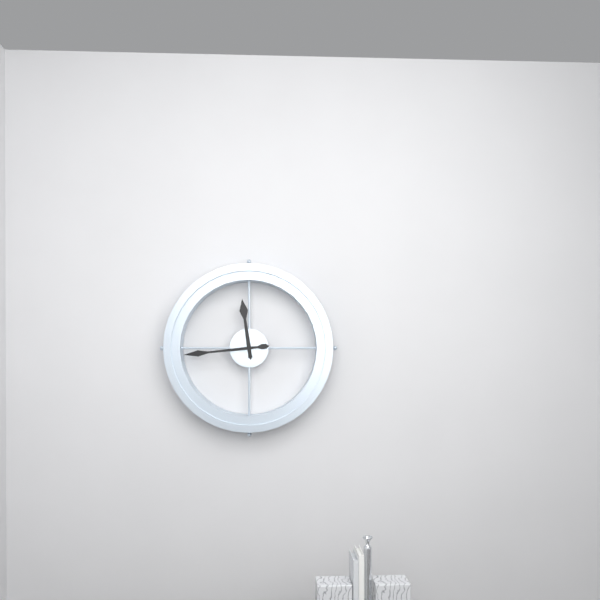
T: 11 h 44 min
